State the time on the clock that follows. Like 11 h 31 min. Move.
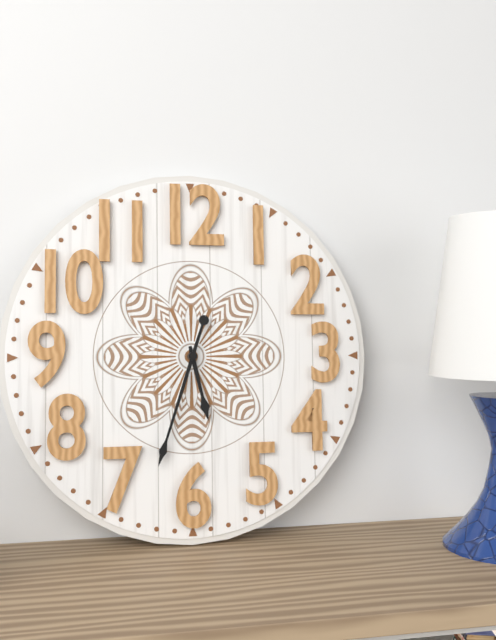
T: 5 h 33 min
